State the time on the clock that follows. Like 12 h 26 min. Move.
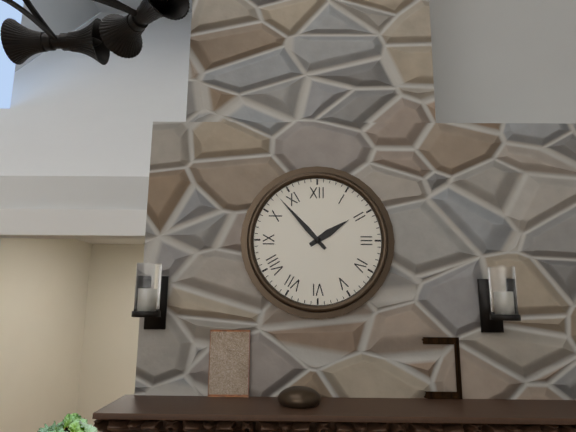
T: 1 h 53 min
